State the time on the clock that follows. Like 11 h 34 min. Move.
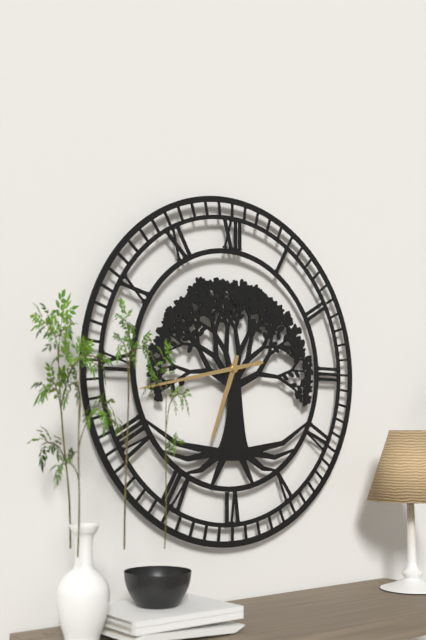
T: 6 h 43 min
